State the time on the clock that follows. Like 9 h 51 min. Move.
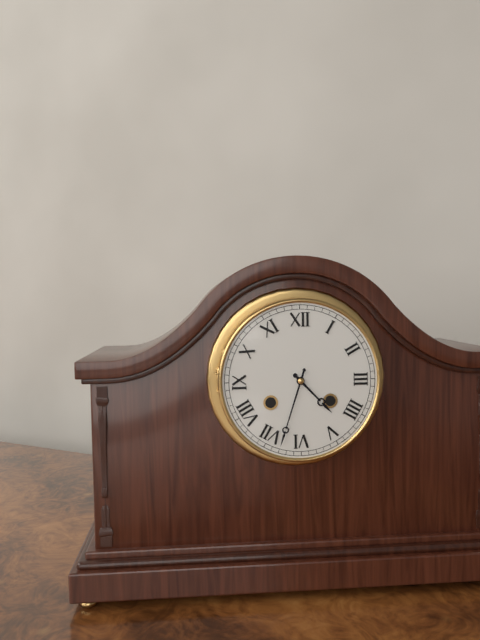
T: 4 h 33 min
